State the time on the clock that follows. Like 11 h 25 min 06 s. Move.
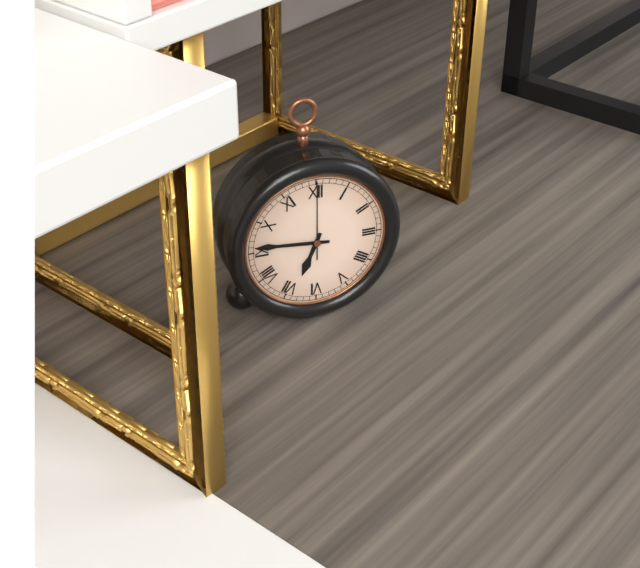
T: 6 h 46 min 00 s
